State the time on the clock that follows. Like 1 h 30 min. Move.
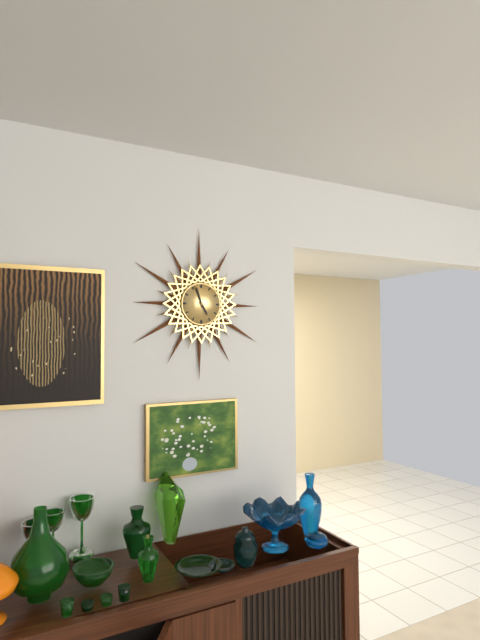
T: 4 h 57 min
